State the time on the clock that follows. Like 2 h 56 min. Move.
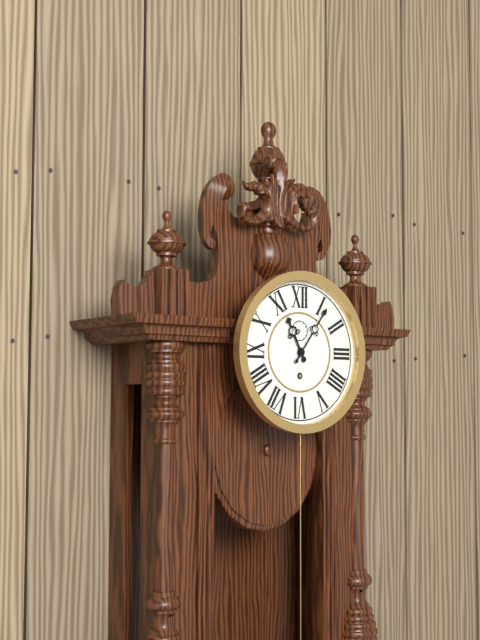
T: 11 h 06 min
